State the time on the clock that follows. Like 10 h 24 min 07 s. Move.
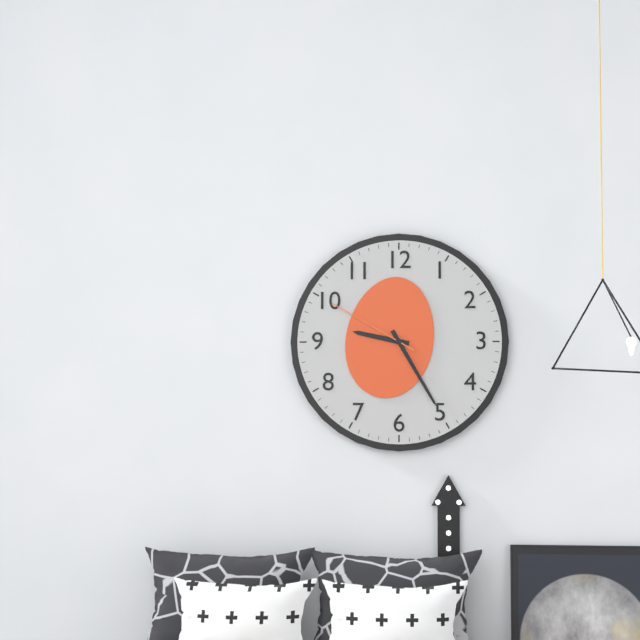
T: 9 h 25 min 50 s
